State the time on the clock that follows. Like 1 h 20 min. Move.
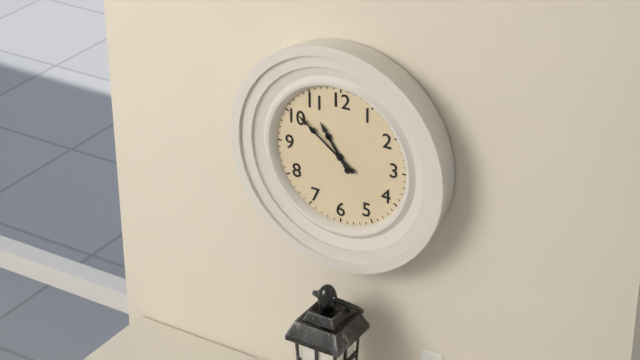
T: 10 h 51 min
